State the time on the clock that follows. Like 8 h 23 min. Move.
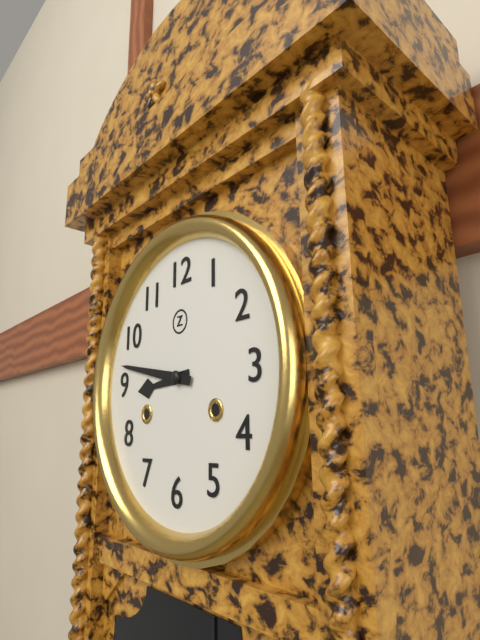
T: 8 h 47 min
